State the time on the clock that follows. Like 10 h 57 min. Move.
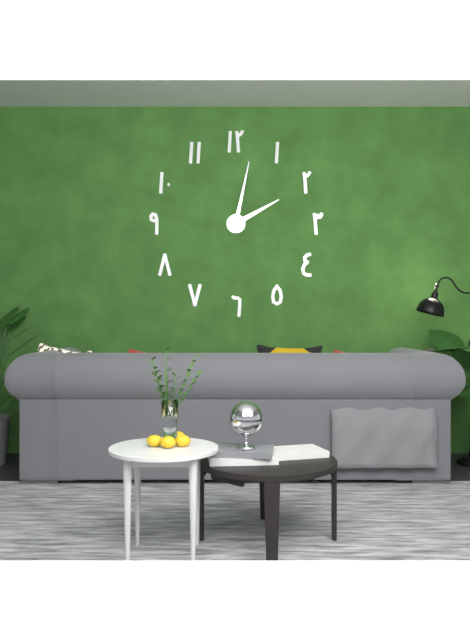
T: 2 h 02 min
